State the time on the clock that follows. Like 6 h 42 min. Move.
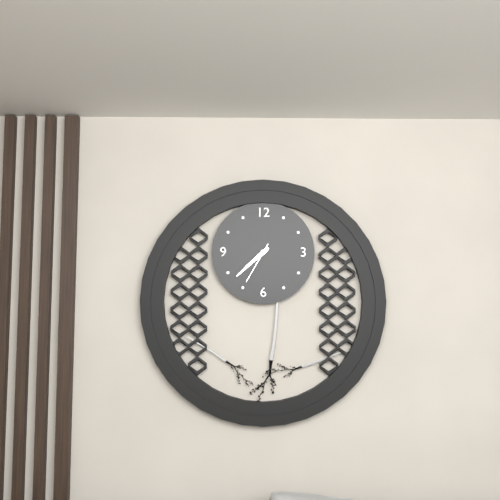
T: 7 h 38 min
